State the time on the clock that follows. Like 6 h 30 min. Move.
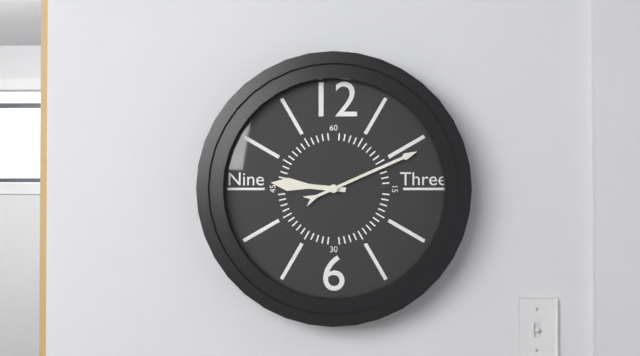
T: 9 h 11 min
